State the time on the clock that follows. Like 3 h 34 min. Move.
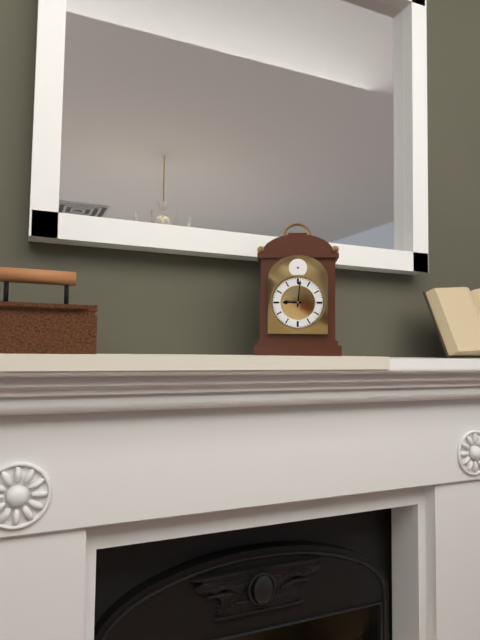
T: 9 h 01 min
